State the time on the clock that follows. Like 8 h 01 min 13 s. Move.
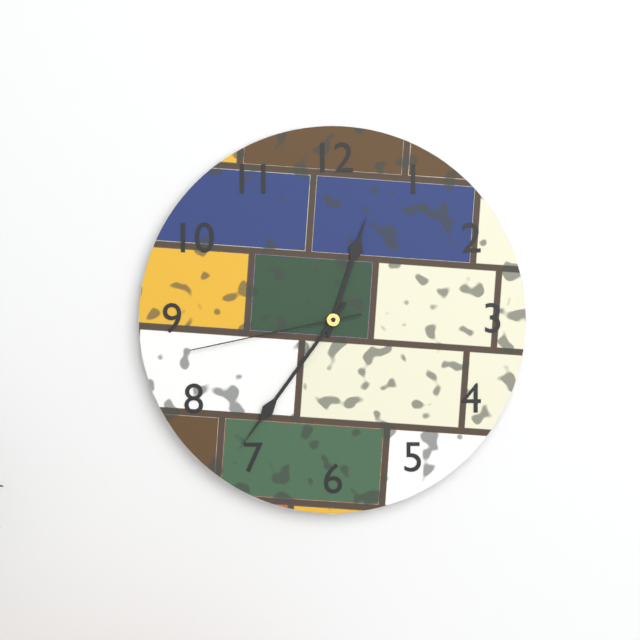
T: 12 h 36 min 43 s
